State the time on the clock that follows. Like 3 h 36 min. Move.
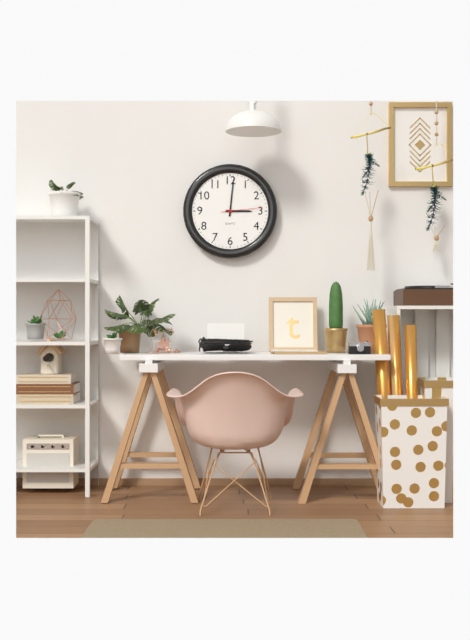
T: 3 h 01 min
